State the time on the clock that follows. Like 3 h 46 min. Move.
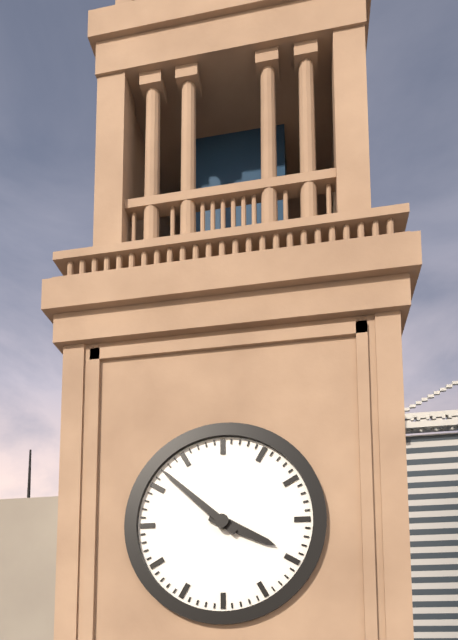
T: 3 h 52 min
